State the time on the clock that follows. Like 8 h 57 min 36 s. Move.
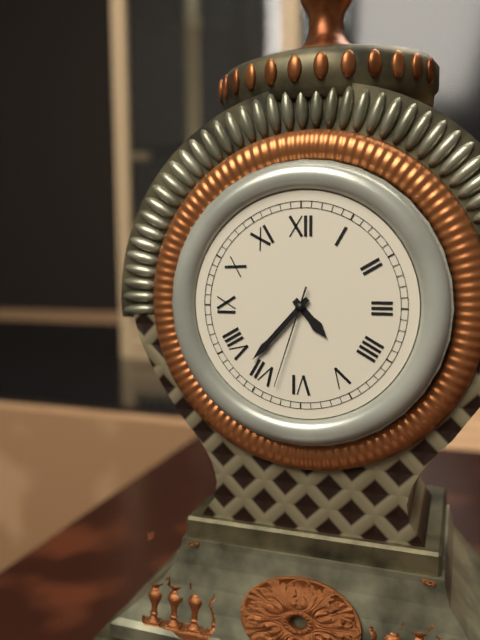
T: 4 h 37 min 33 s
